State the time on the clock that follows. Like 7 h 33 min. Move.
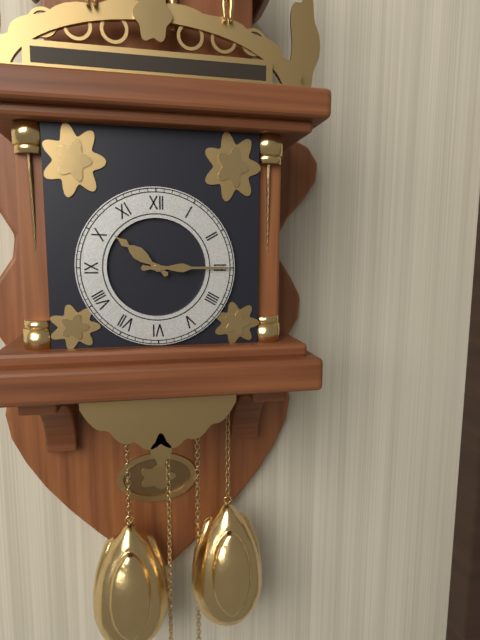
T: 10 h 15 min
